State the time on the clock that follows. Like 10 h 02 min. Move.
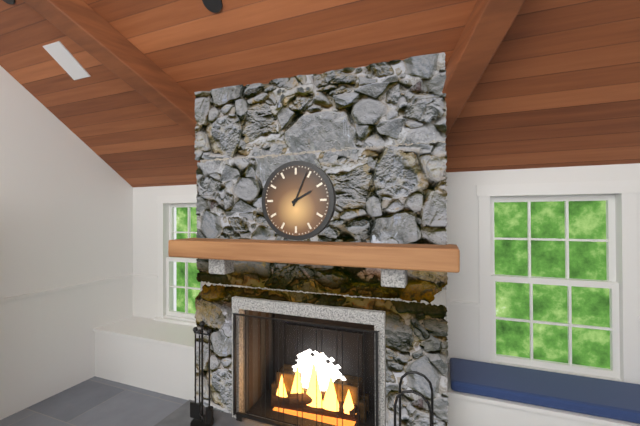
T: 2 h 04 min
